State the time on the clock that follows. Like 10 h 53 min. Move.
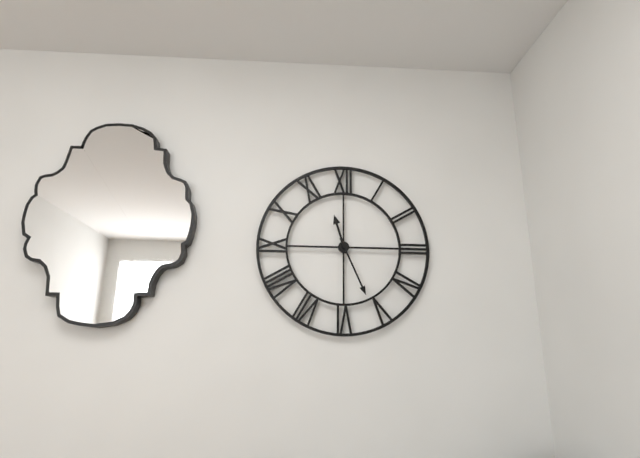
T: 11 h 26 min
